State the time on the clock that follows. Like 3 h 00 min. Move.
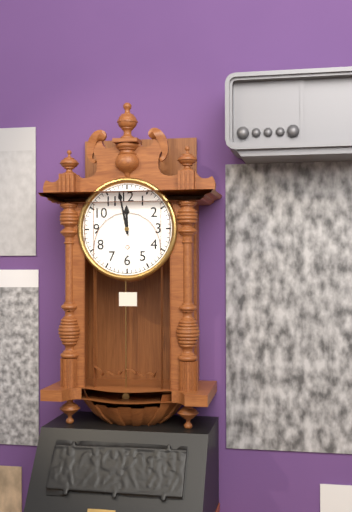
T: 11 h 58 min
